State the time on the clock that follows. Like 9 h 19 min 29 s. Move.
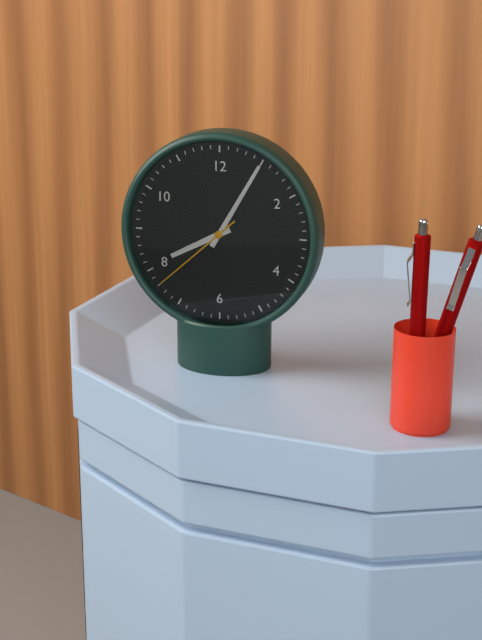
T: 8 h 05 min 38 s
